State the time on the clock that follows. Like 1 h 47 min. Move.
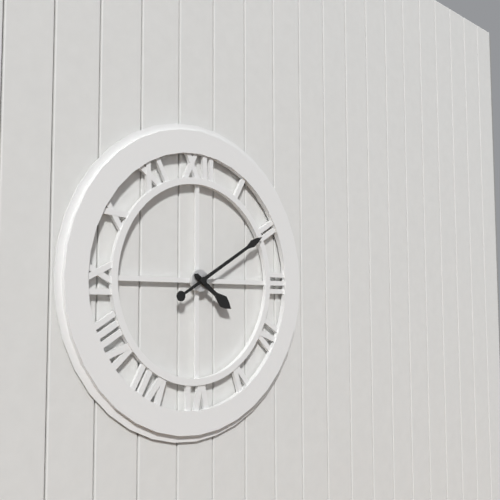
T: 4 h 10 min
